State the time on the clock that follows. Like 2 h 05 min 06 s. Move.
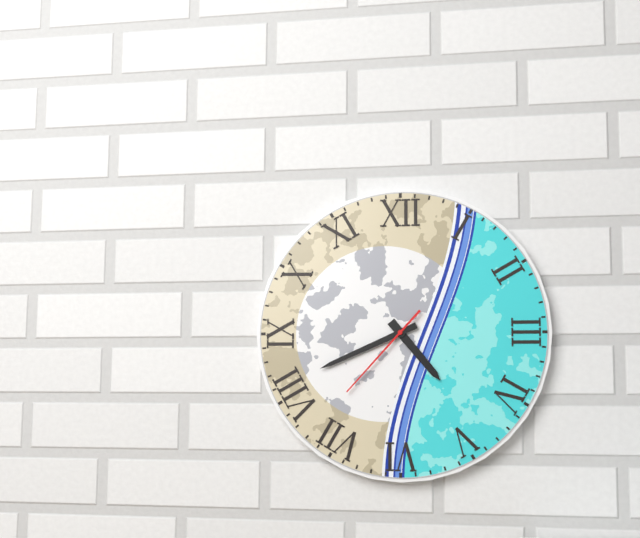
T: 4 h 41 min 37 s
